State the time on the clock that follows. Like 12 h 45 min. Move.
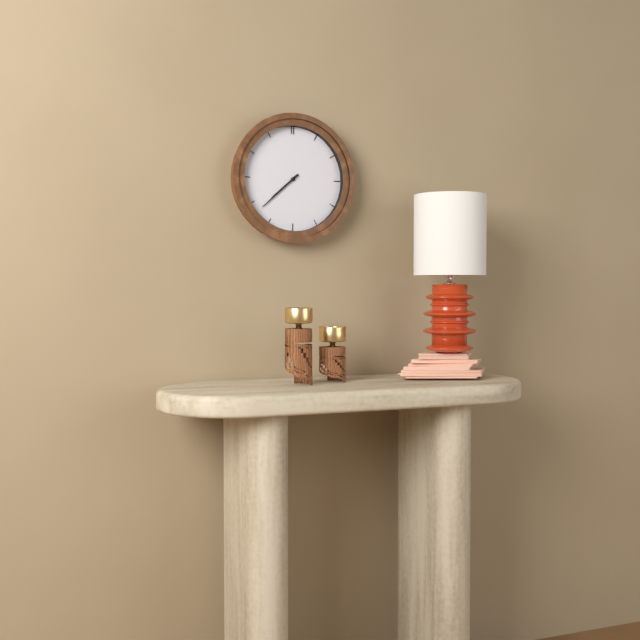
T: 7 h 38 min
